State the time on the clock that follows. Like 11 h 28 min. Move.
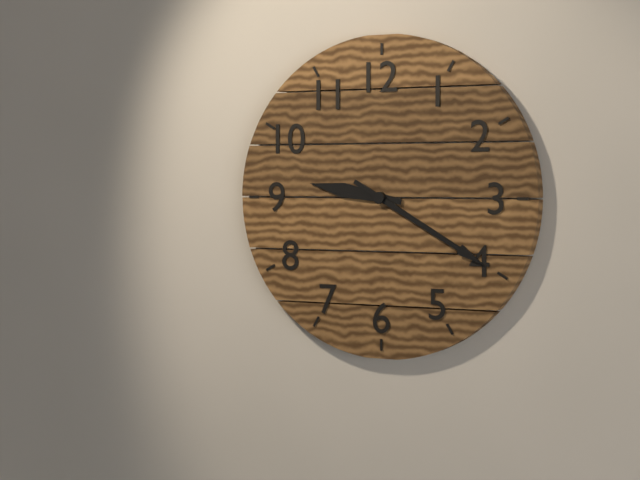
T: 9 h 20 min
